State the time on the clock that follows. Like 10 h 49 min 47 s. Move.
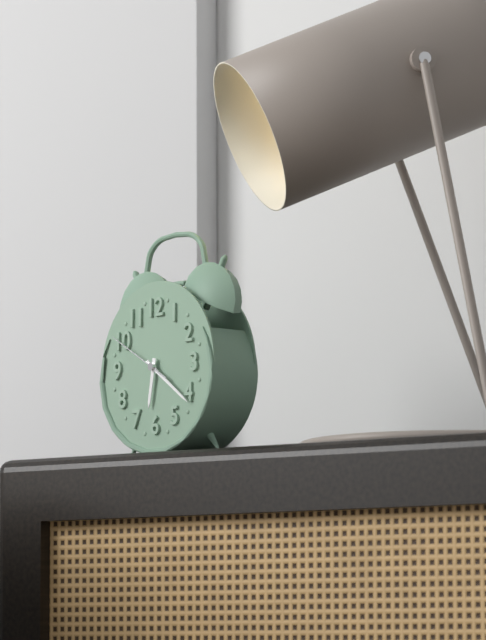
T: 6 h 21 min 50 s
